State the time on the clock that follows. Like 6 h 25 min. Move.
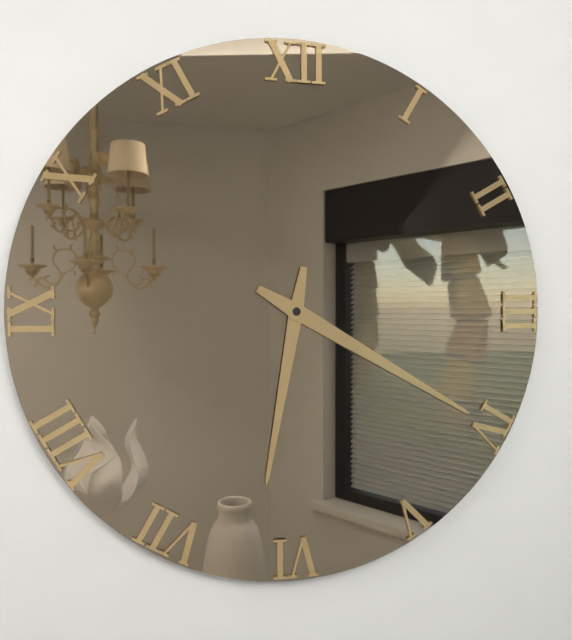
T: 6 h 20 min
